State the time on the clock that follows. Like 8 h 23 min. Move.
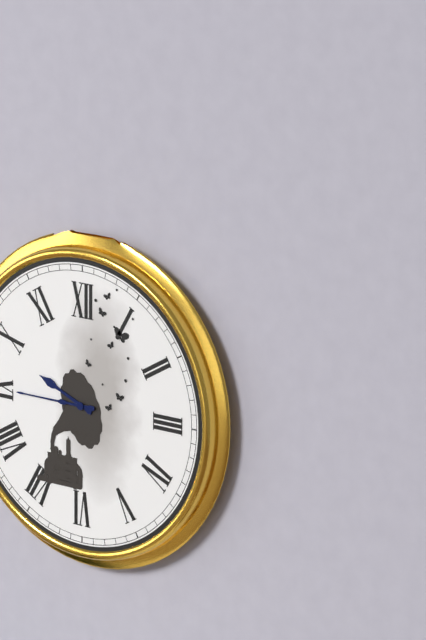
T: 9 h 45 min
